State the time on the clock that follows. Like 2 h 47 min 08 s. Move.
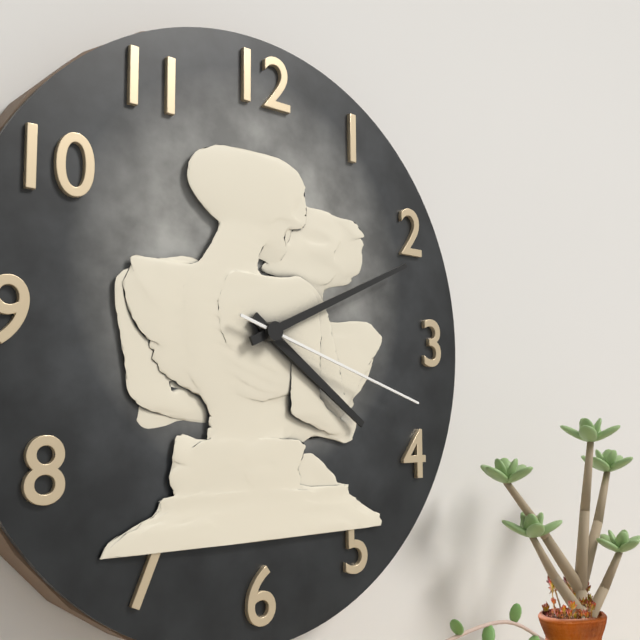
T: 4 h 11 min 18 s
